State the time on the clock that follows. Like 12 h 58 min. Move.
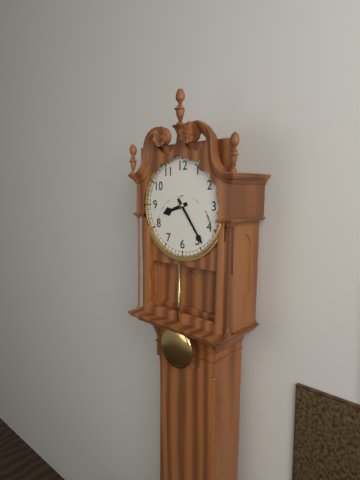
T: 8 h 24 min
